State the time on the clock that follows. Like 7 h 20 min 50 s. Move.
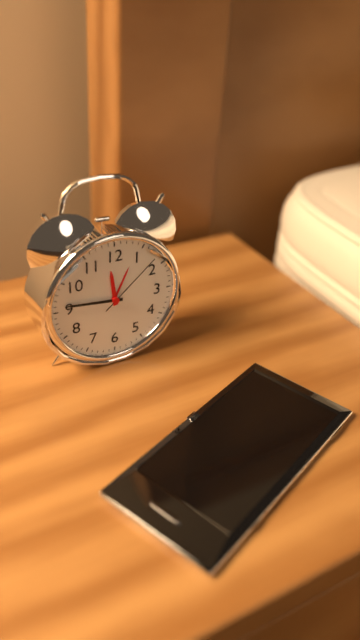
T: 11 h 46 min 08 s
